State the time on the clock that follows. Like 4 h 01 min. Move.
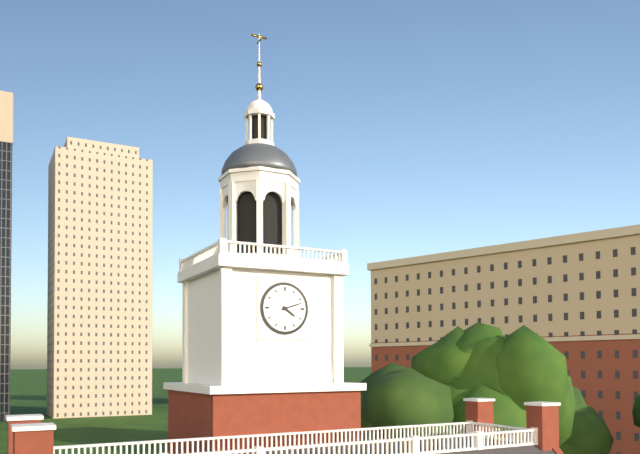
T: 4 h 12 min
